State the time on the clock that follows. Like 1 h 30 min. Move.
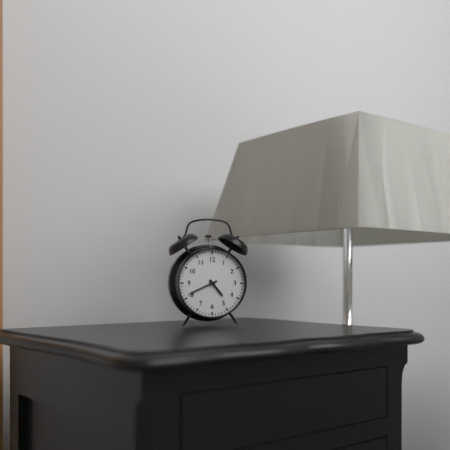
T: 4 h 41 min
